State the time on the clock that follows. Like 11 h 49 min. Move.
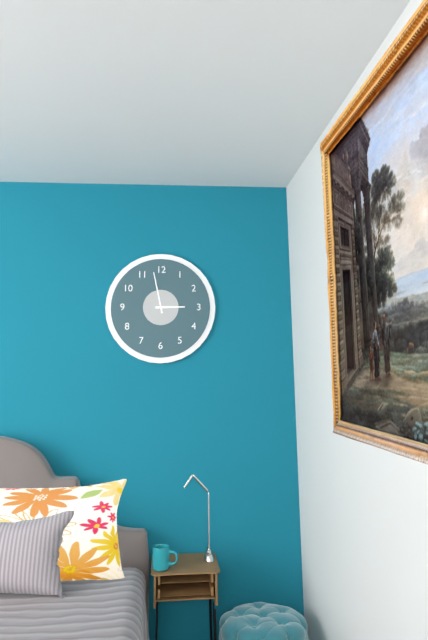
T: 2 h 58 min
